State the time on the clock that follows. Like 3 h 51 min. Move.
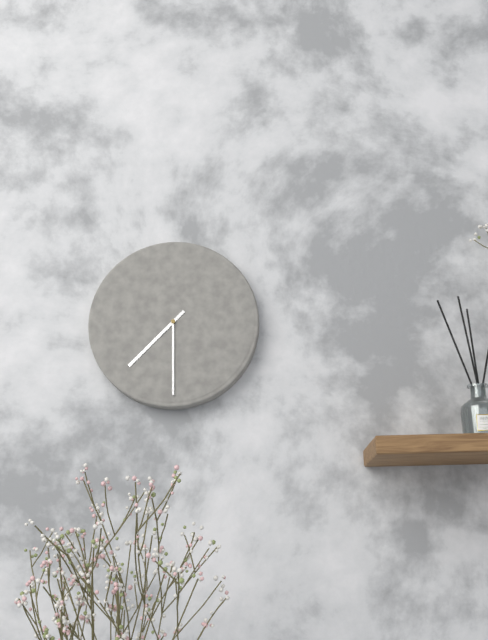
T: 7 h 30 min
